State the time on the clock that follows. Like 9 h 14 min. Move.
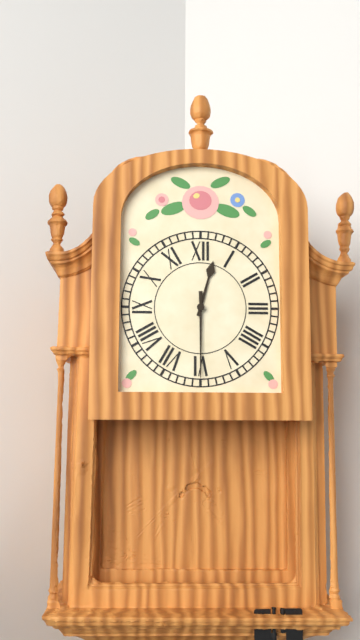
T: 12 h 30 min
